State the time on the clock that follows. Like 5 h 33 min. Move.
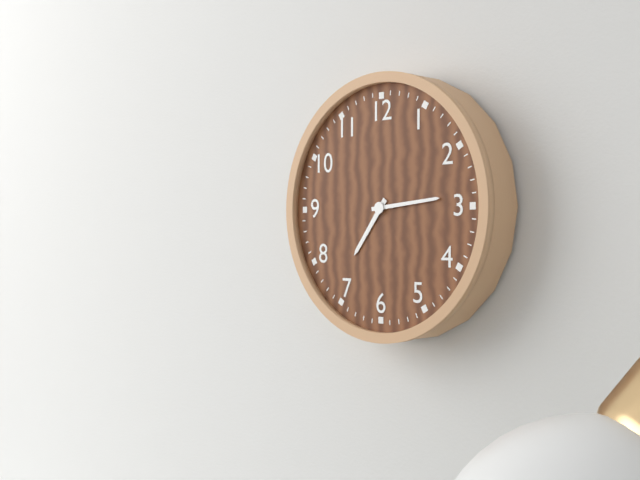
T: 7 h 14 min
